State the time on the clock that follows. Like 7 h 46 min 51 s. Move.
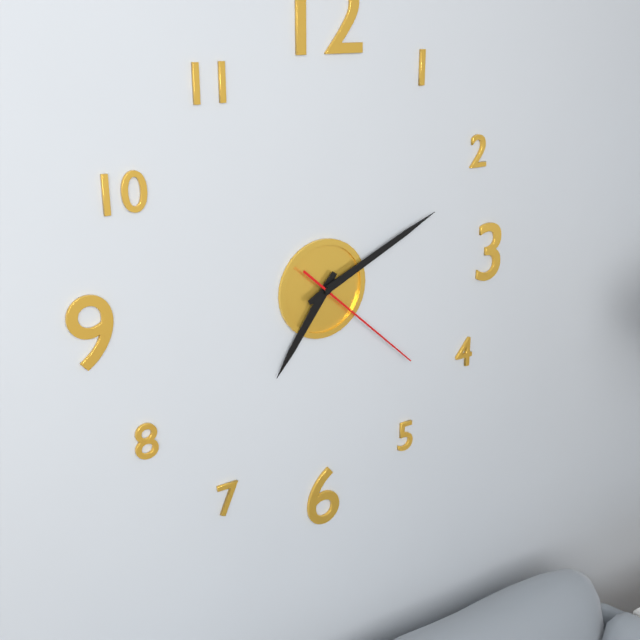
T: 7 h 11 min 22 s
